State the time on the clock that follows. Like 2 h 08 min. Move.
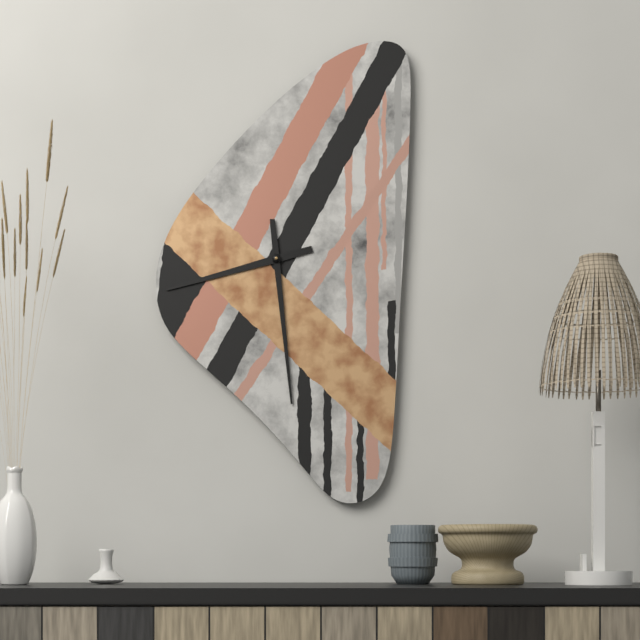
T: 8 h 29 min
